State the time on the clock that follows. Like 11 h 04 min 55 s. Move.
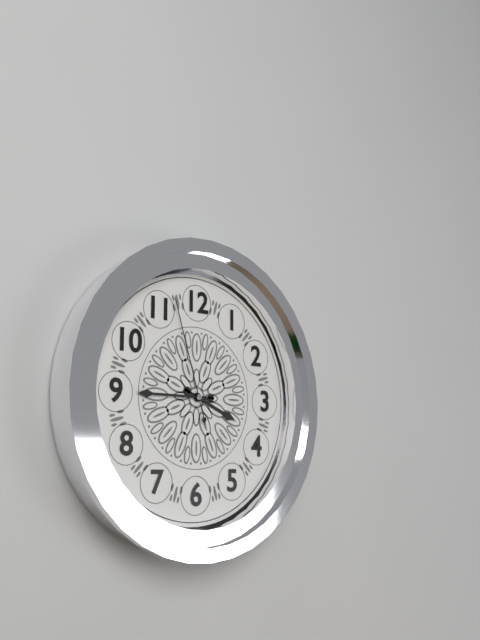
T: 3 h 45 min 57 s
